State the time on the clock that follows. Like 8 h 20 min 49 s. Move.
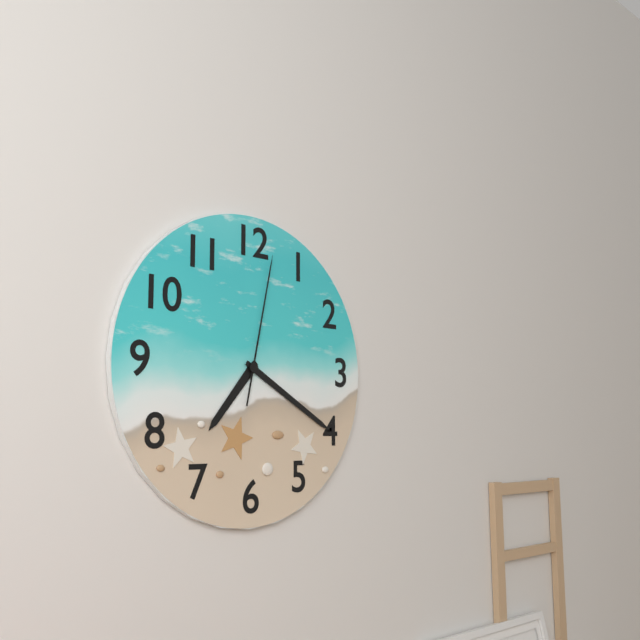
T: 7 h 20 min 02 s
